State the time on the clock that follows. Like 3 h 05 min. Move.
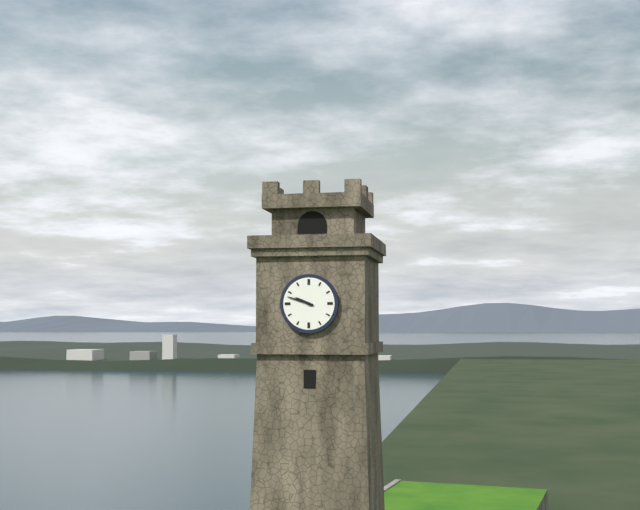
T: 9 h 48 min
